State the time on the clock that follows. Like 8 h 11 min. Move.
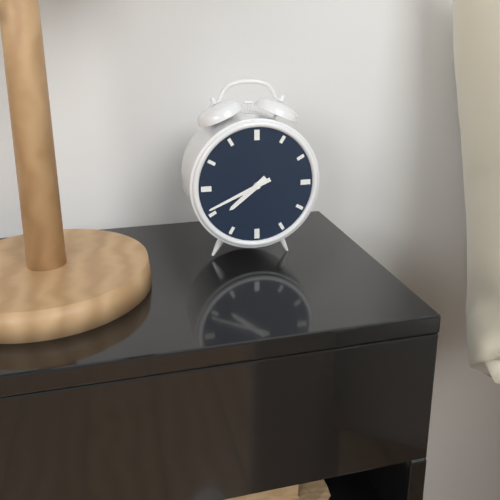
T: 7 h 41 min
